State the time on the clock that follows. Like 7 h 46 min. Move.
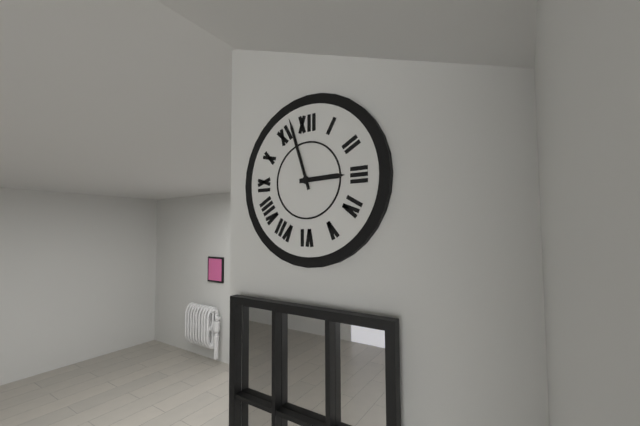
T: 2 h 57 min
